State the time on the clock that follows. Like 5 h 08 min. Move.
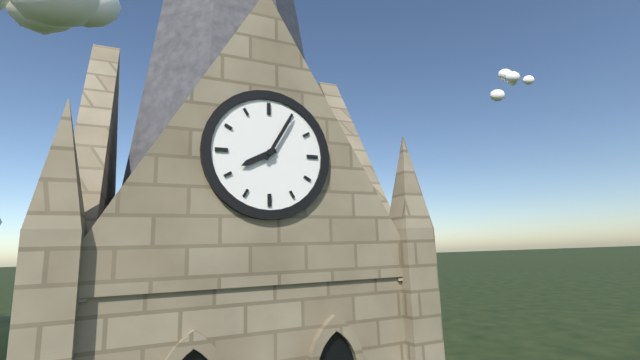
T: 8 h 05 min
